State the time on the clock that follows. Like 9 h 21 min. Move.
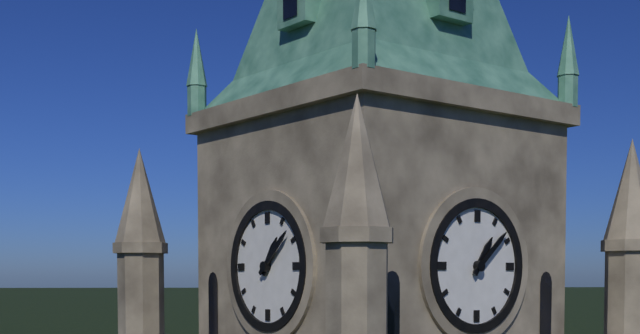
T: 1 h 08 min
